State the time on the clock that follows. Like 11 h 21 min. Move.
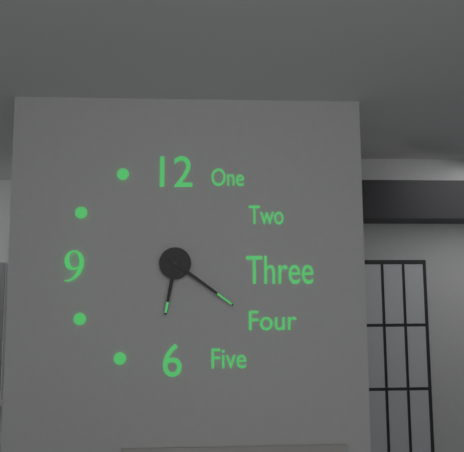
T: 6 h 21 min
